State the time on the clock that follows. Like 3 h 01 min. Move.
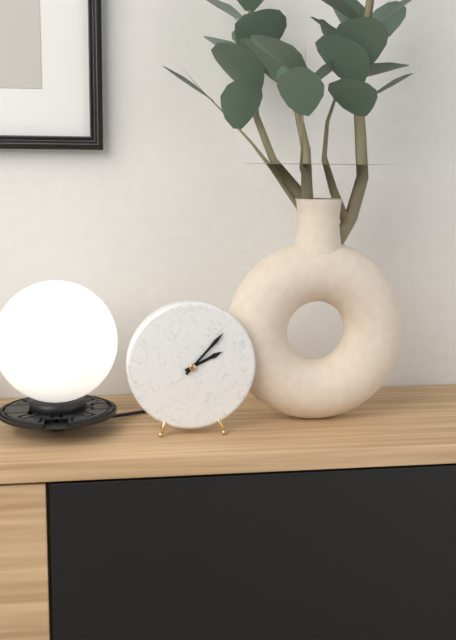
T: 2 h 07 min
